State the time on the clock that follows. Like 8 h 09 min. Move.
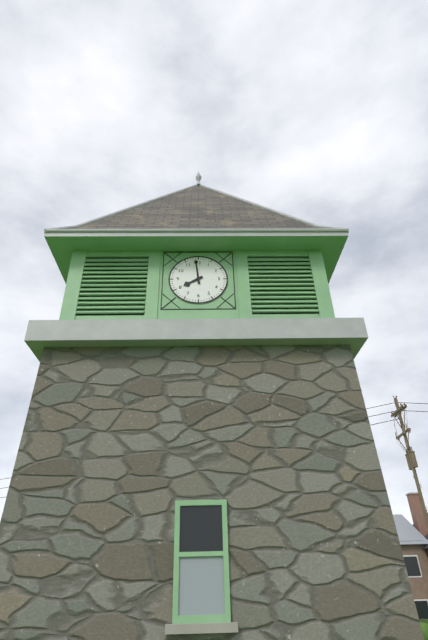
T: 7 h 59 min
